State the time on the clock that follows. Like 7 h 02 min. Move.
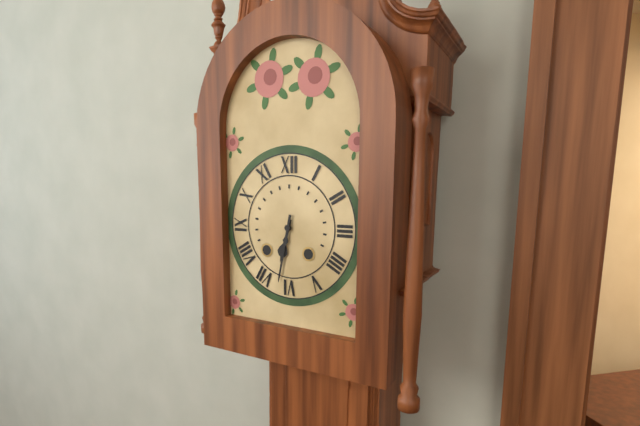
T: 6 h 32 min
